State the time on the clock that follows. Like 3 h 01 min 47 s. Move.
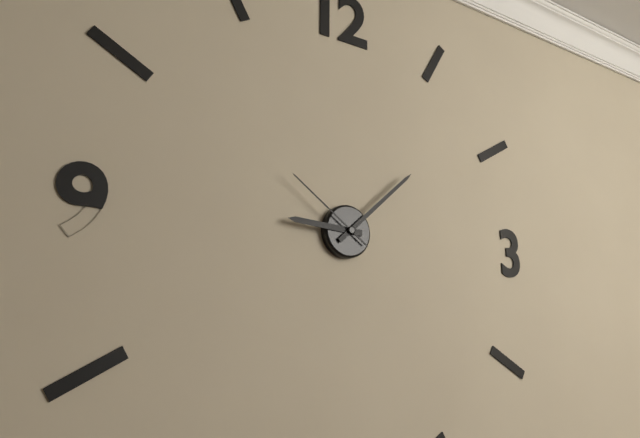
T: 9 h 08 min 51 s
